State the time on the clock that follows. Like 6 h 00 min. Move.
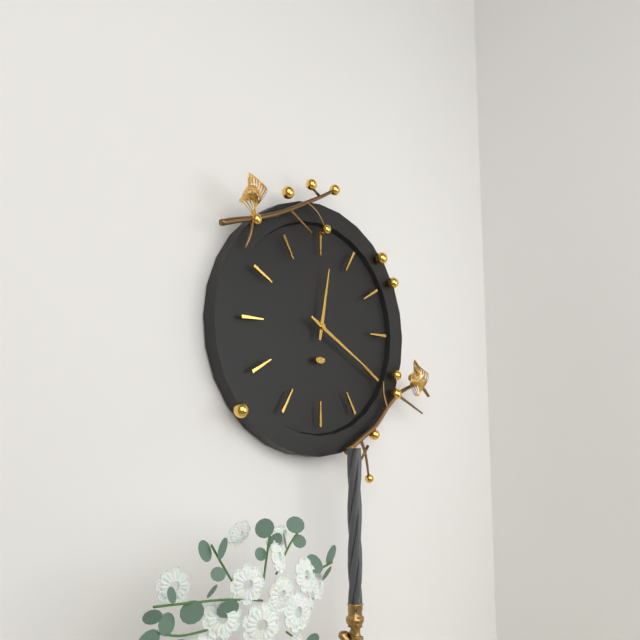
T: 12 h 20 min
